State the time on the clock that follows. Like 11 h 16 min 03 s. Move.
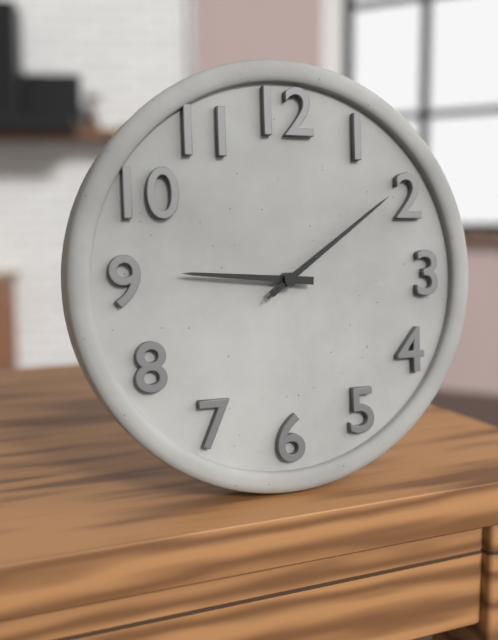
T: 9 h 09 min 09 s
